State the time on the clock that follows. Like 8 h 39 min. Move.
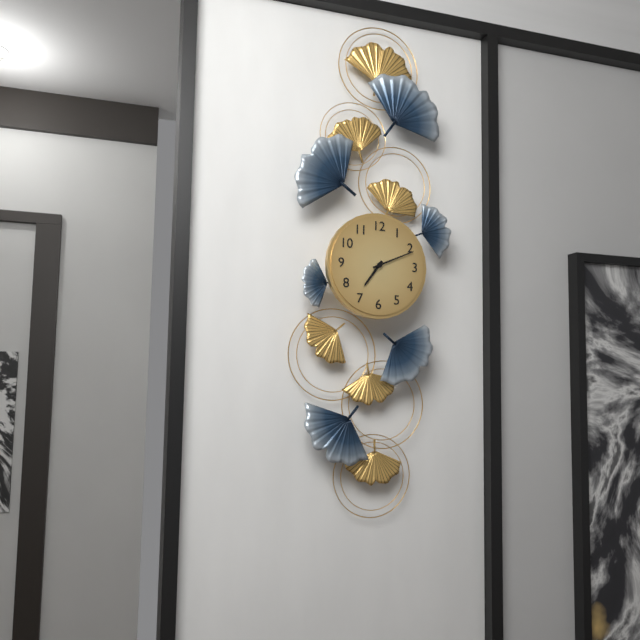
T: 7 h 11 min
